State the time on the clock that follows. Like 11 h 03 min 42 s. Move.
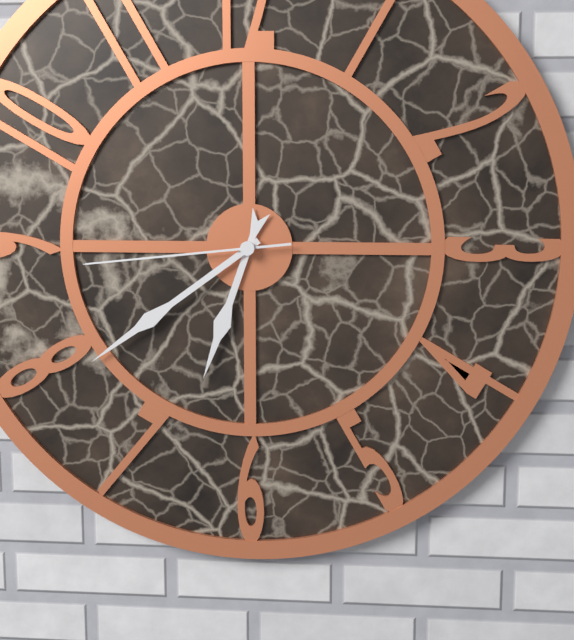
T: 6 h 39 min 44 s
